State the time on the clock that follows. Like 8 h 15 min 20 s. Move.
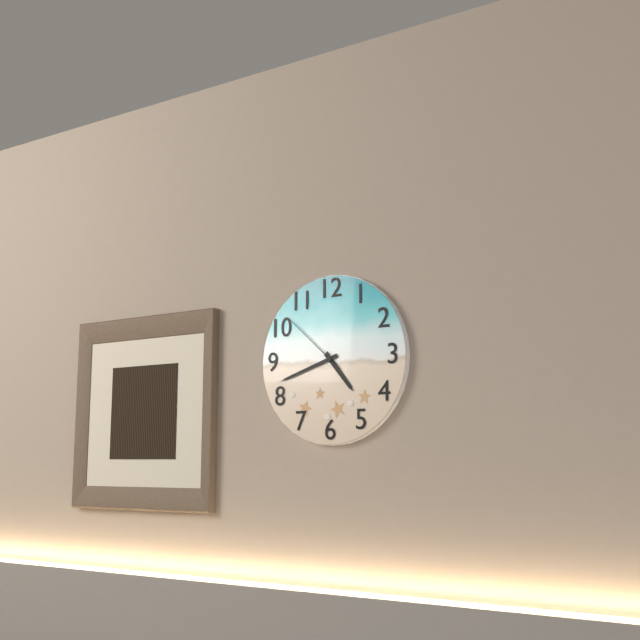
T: 4 h 42 min 52 s
